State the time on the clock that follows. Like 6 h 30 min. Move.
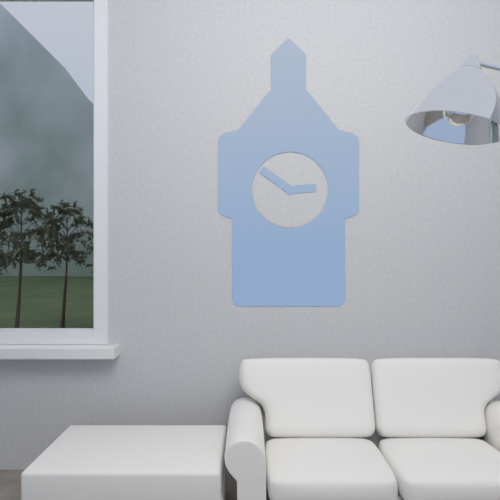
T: 2 h 51 min
